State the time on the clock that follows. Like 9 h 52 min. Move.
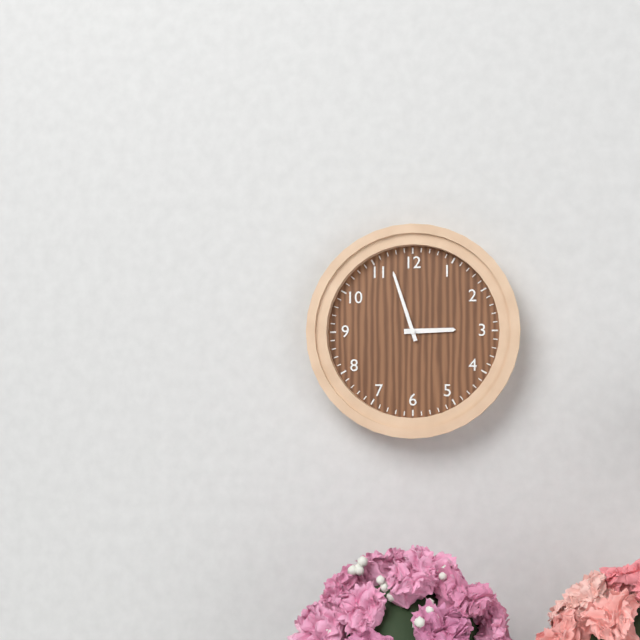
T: 2 h 57 min
